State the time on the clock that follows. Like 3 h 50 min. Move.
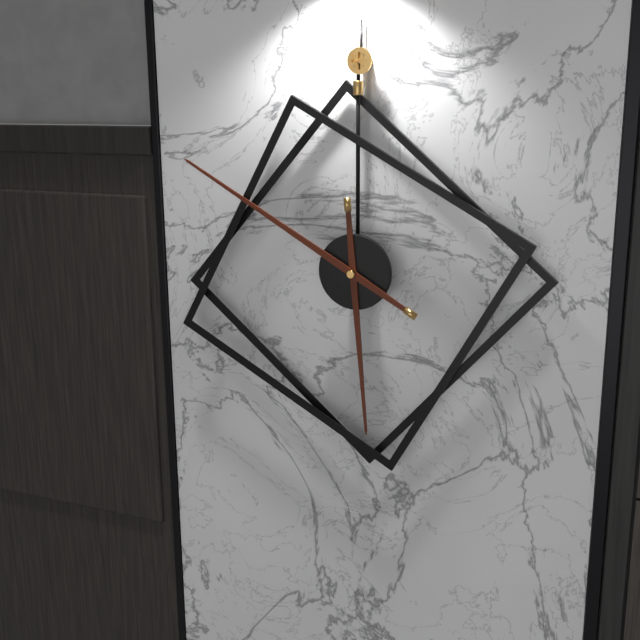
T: 5 h 50 min
